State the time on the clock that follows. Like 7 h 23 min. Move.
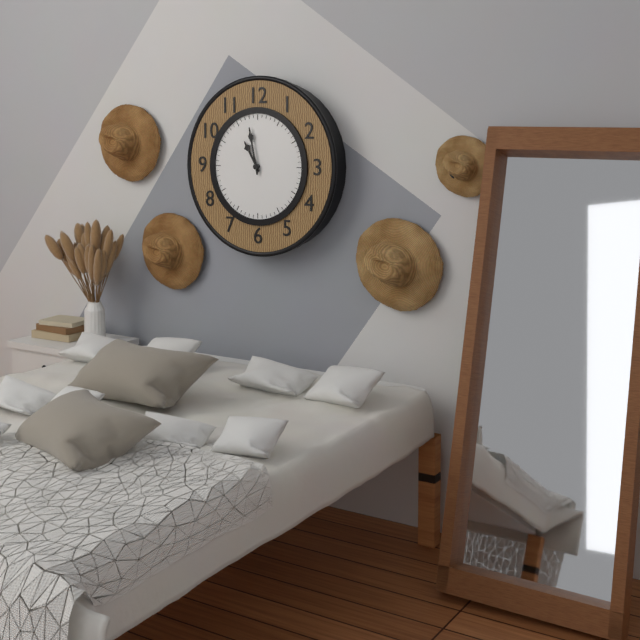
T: 10 h 58 min
